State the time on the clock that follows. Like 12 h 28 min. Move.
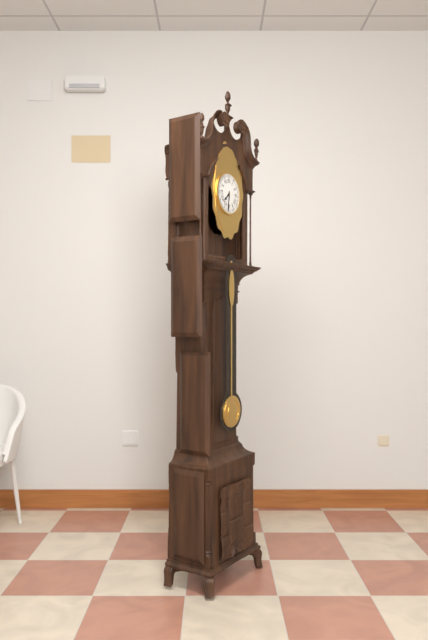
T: 7 h 31 min
